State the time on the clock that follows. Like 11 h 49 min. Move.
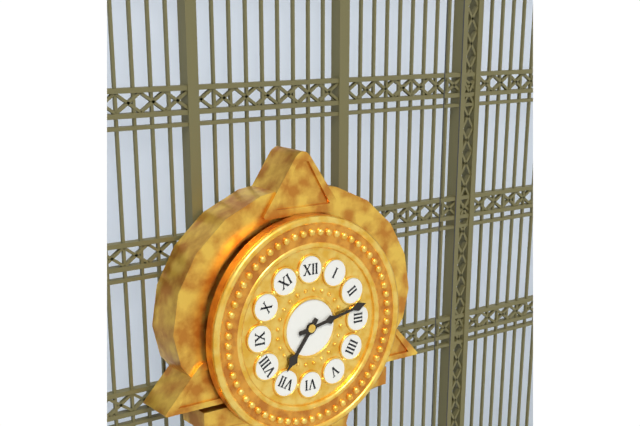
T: 7 h 13 min
